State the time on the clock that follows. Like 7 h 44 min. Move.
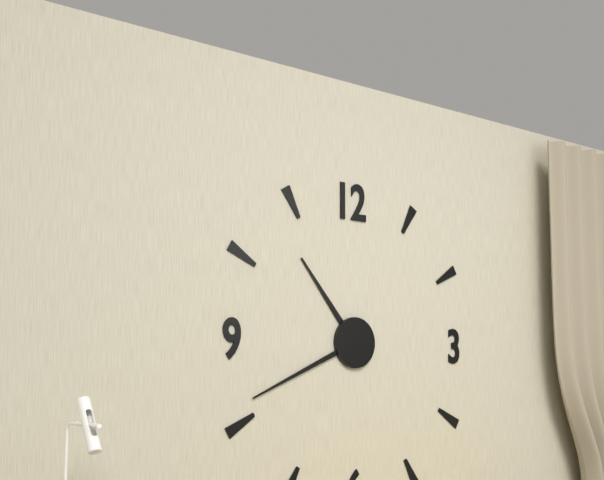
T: 10 h 41 min
